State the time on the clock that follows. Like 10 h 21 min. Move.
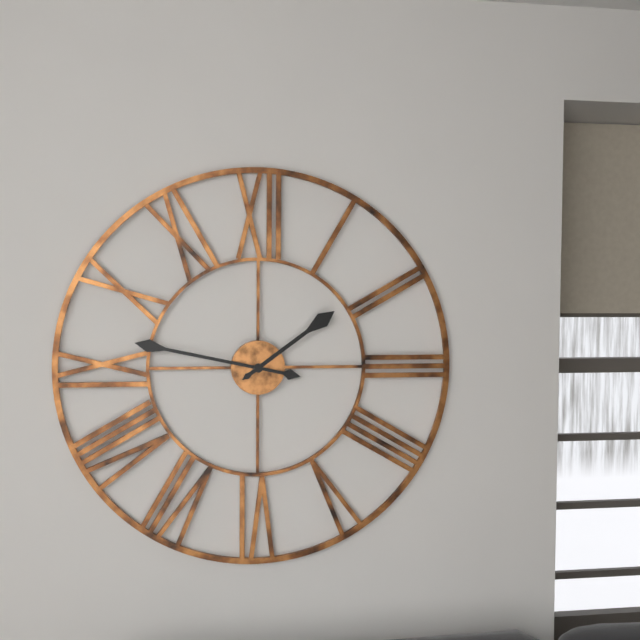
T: 1 h 47 min
